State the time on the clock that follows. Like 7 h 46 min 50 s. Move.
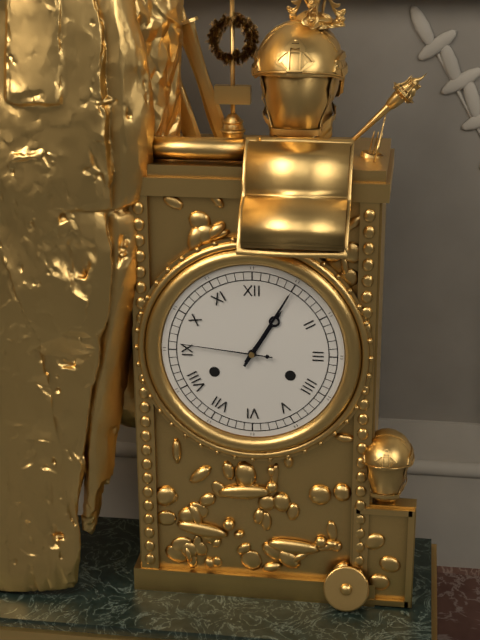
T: 1 h 05 min 46 s
